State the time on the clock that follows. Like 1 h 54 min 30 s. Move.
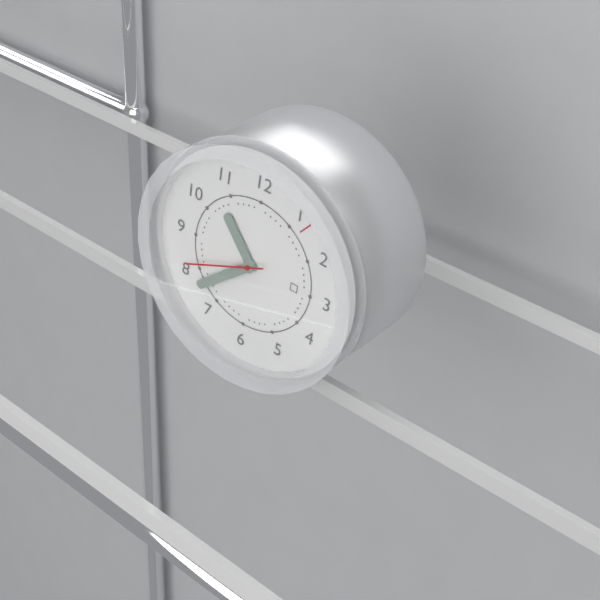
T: 10 h 38 min 41 s
